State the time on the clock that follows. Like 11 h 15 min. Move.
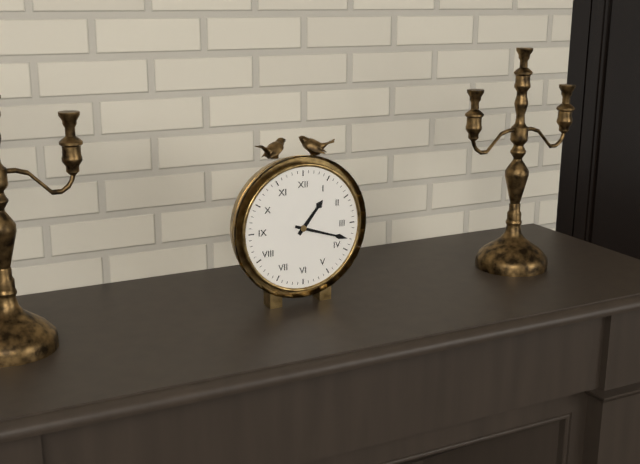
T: 1 h 18 min
